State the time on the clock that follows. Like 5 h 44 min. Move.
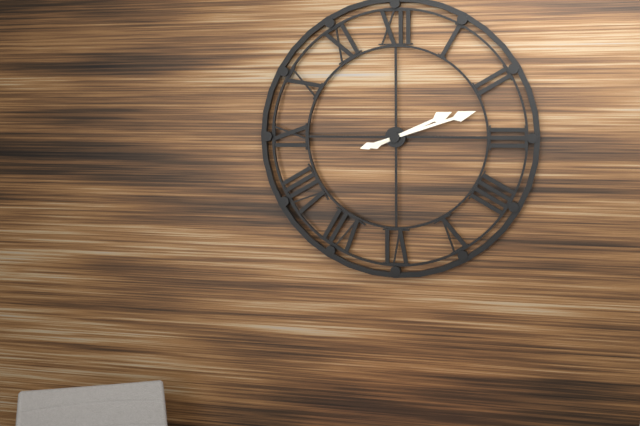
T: 2 h 12 min
